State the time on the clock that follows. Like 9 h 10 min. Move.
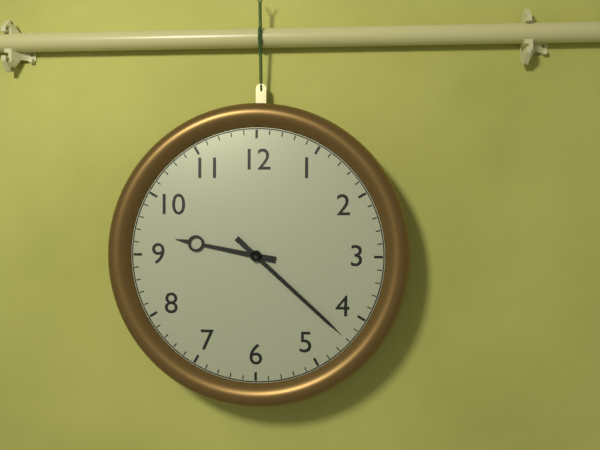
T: 9 h 22 min
